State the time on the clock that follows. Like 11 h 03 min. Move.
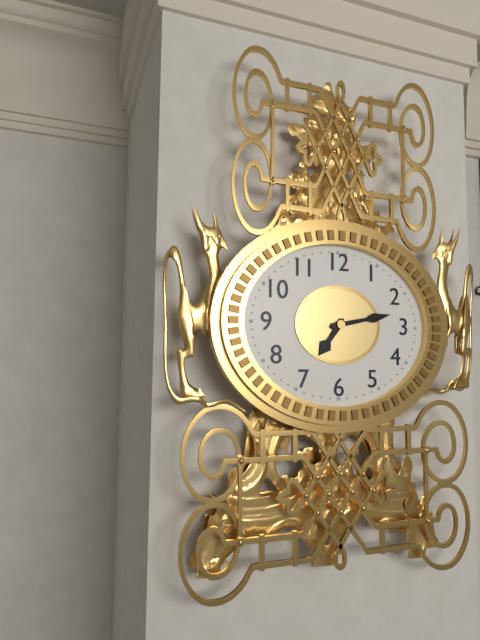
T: 7 h 13 min
